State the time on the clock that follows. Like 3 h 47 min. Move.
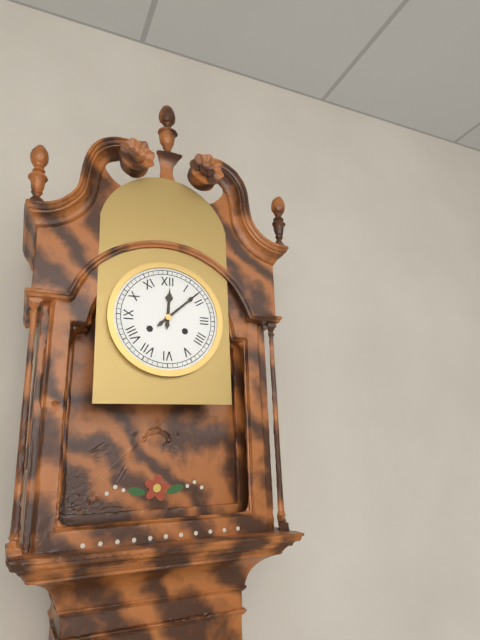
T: 12 h 08 min
